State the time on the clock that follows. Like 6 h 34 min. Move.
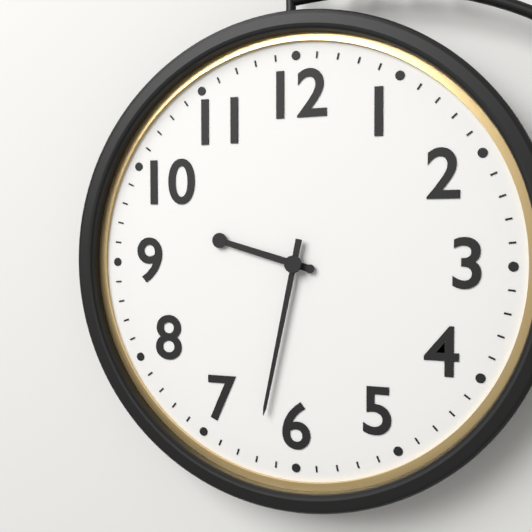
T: 9 h 32 min
